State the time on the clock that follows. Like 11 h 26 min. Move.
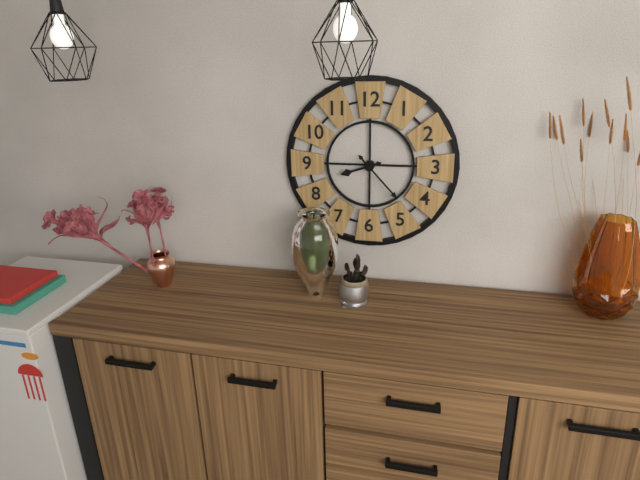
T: 8 h 23 min
